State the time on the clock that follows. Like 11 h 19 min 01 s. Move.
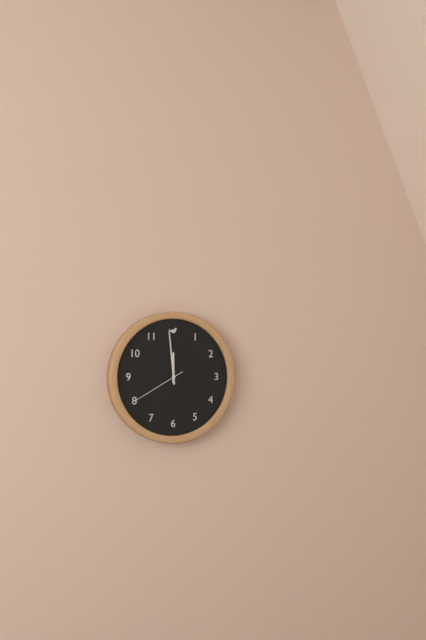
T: 11 h 59 min 40 s
